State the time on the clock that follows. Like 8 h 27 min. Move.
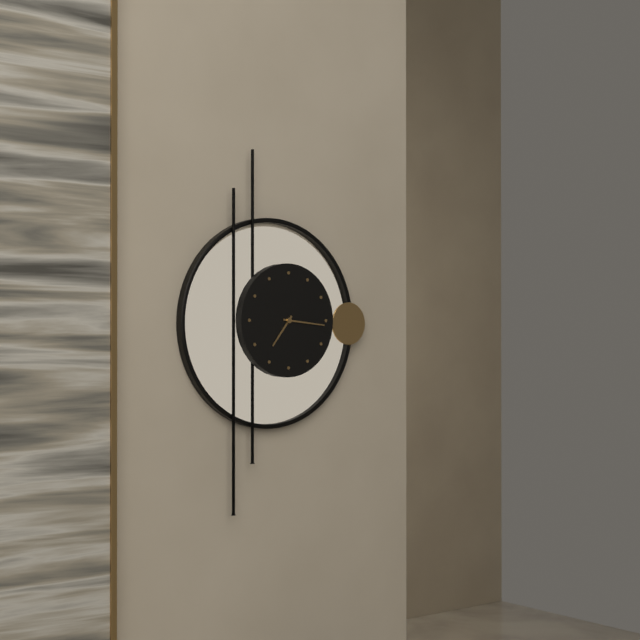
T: 7 h 16 min
